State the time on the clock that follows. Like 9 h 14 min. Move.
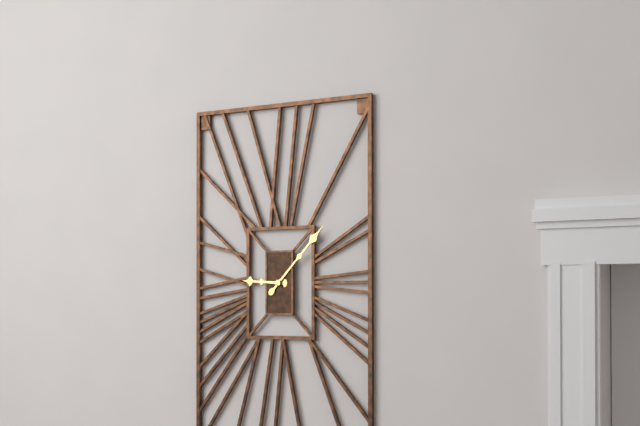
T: 9 h 07 min
